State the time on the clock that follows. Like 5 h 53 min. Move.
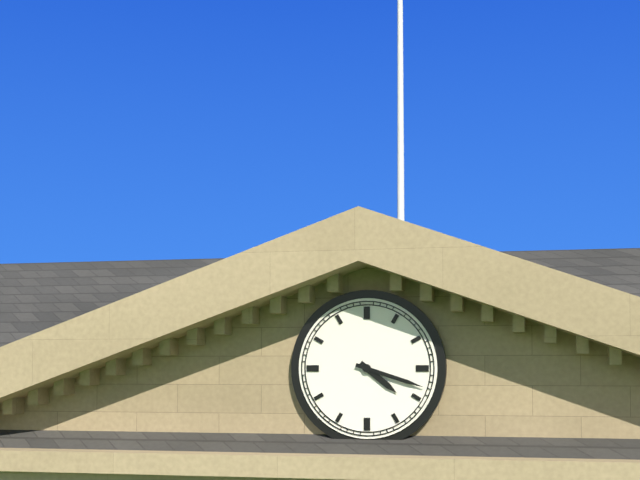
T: 4 h 18 min
